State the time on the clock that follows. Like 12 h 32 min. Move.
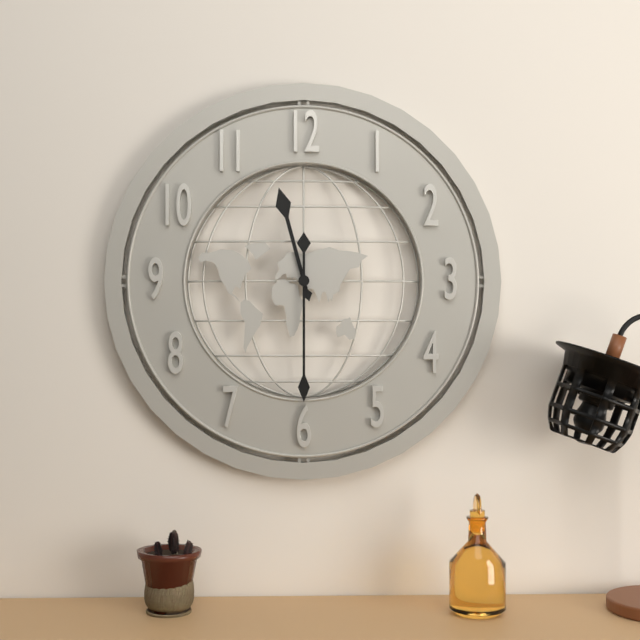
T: 11 h 30 min
